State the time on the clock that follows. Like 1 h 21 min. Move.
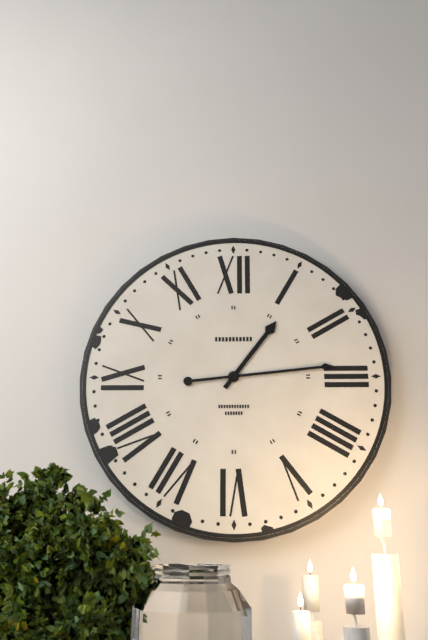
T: 1 h 14 min
